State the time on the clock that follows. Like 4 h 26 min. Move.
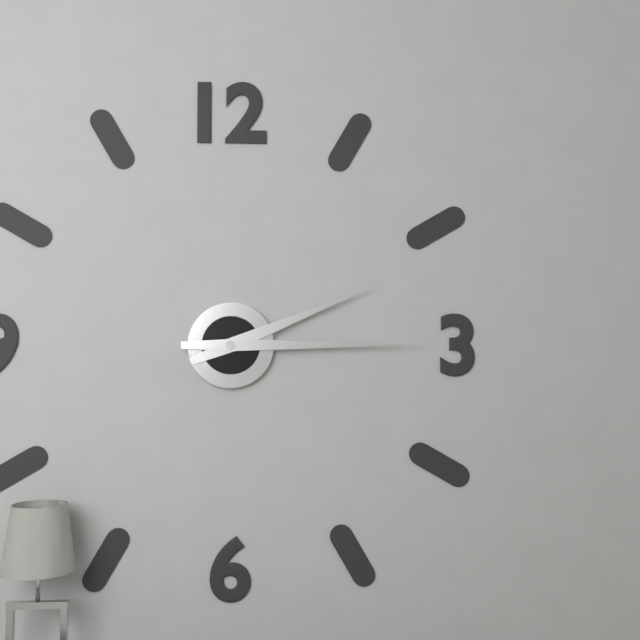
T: 2 h 15 min
